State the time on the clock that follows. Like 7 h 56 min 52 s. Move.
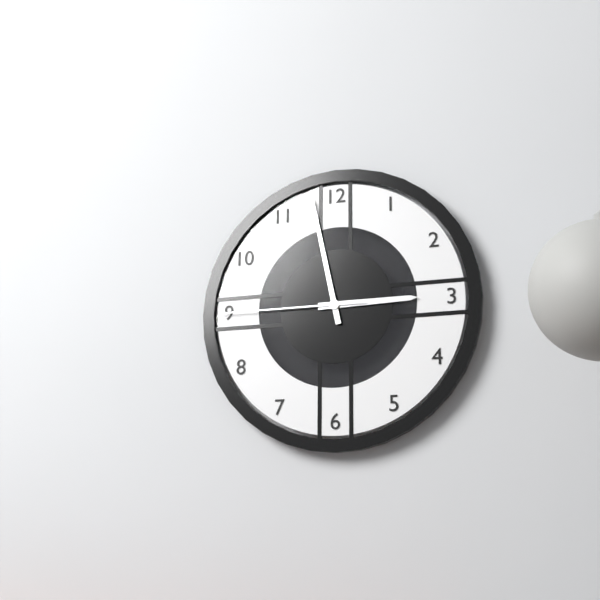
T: 2 h 58 min 45 s
